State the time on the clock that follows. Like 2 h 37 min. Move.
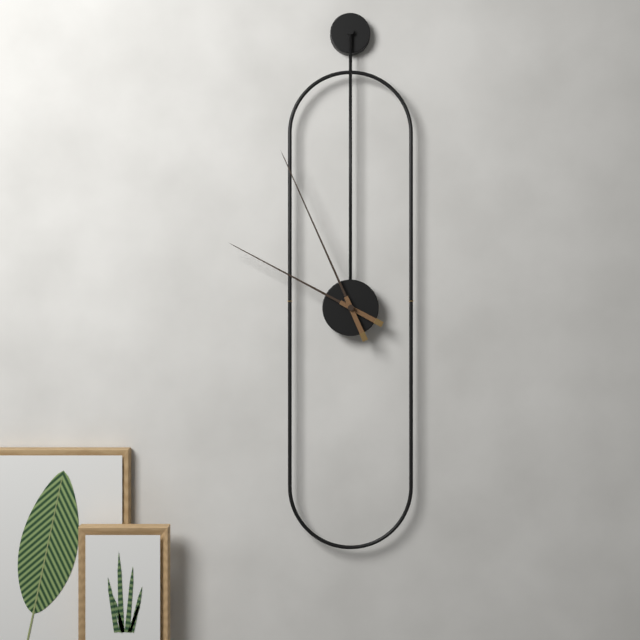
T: 9 h 56 min
